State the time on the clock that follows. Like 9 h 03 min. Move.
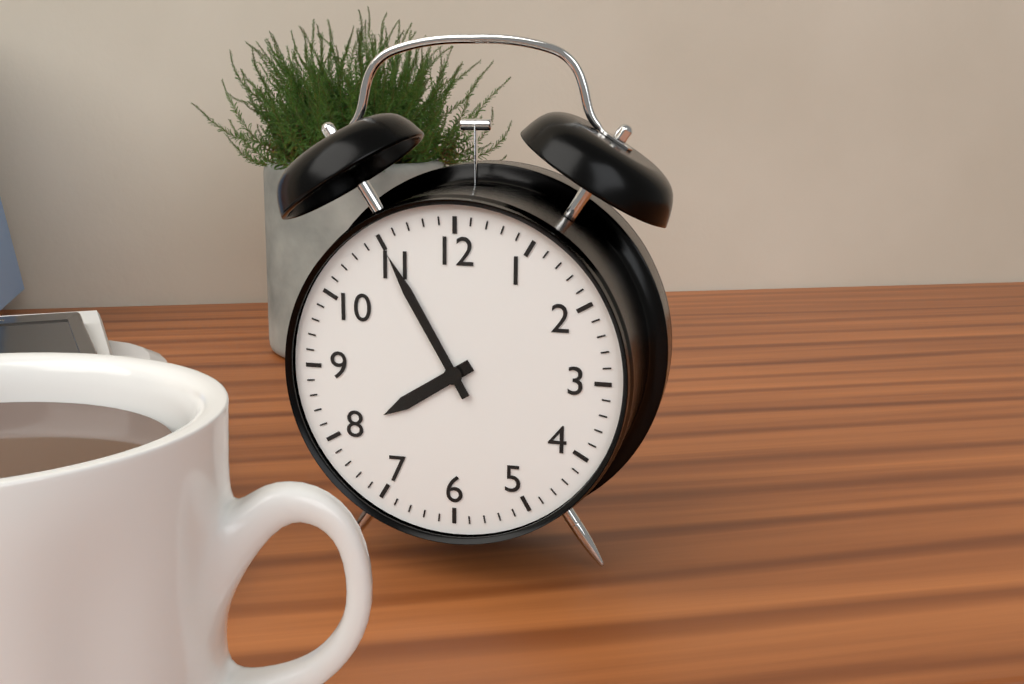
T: 7 h 55 min
